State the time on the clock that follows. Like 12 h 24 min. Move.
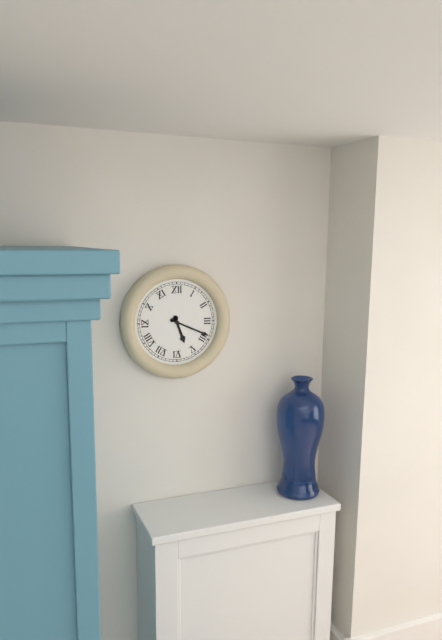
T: 5 h 19 min
